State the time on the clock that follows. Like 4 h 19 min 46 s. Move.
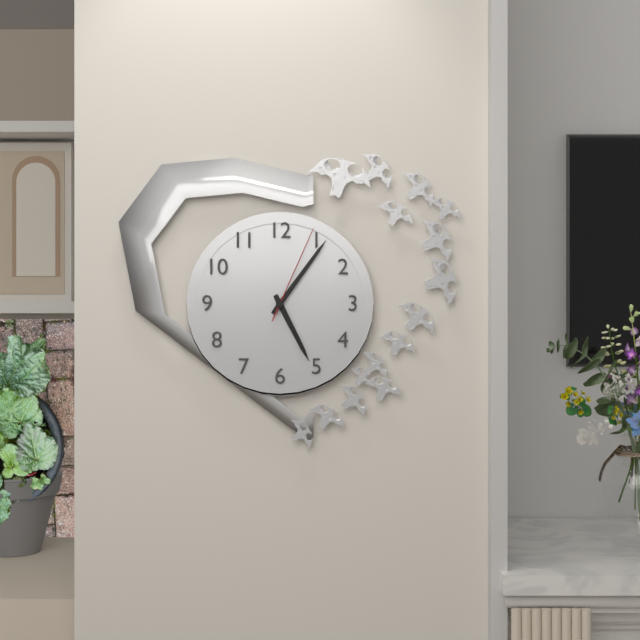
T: 5 h 06 min 04 s
